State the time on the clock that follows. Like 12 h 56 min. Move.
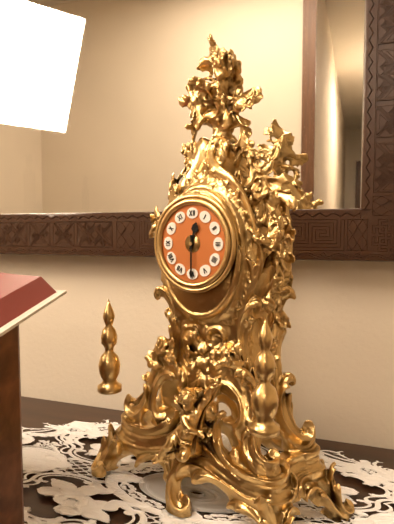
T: 12 h 30 min
